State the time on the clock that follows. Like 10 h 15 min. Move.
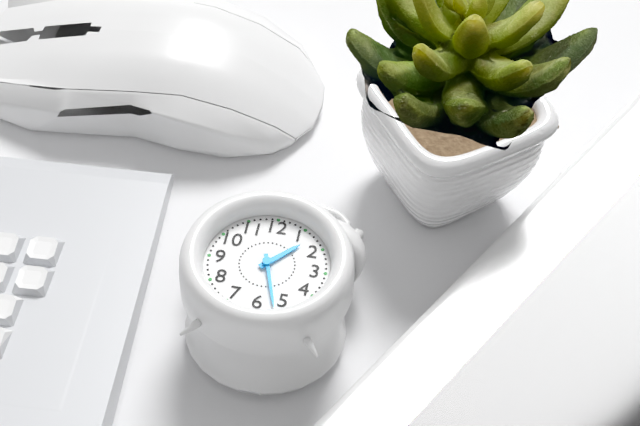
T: 1 h 27 min
